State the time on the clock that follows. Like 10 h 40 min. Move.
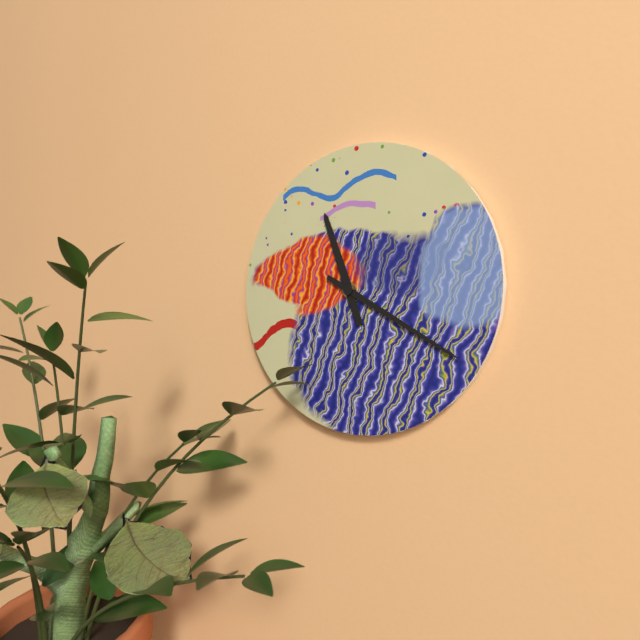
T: 11 h 20 min
